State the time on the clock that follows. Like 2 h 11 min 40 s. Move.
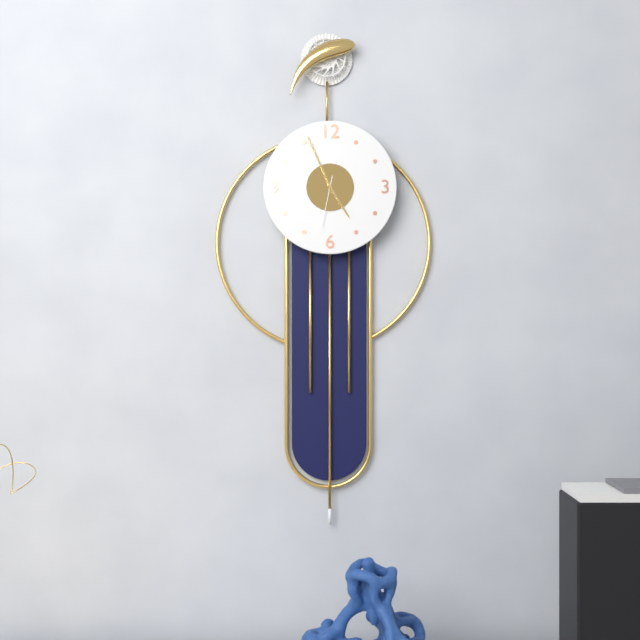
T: 4 h 56 min 32 s
